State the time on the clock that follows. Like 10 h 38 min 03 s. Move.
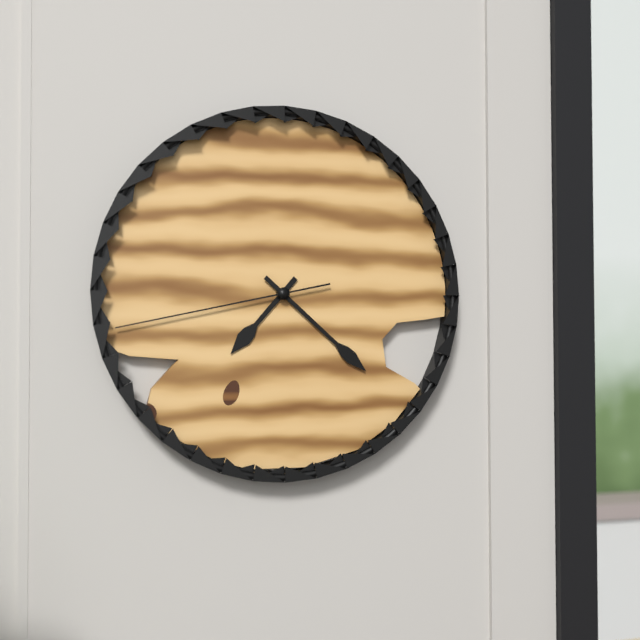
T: 7 h 22 min 43 s
